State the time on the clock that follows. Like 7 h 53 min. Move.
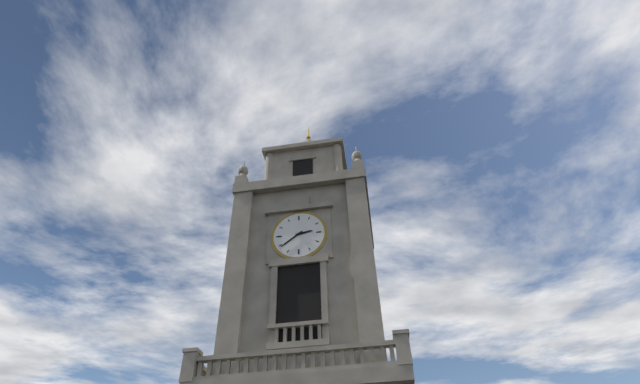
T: 2 h 39 min
